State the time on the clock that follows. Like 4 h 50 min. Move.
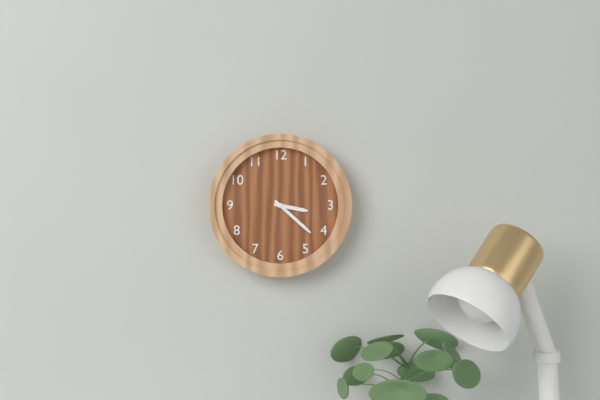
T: 3 h 22 min
